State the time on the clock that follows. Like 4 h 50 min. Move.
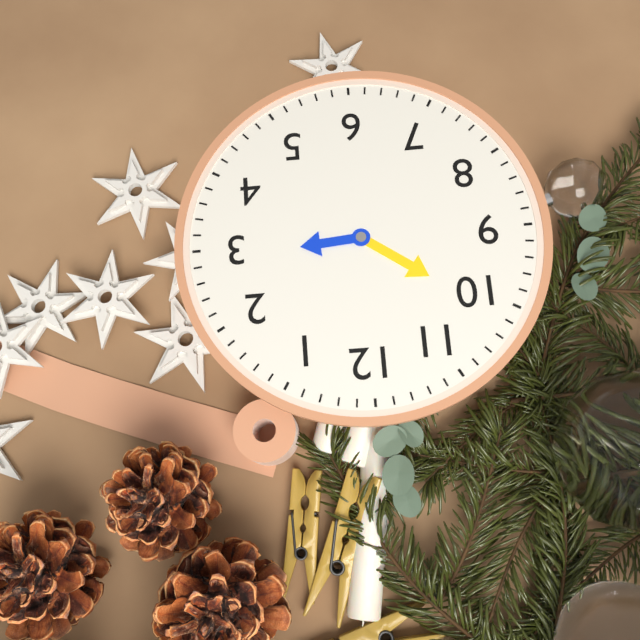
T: 2 h 51 min
